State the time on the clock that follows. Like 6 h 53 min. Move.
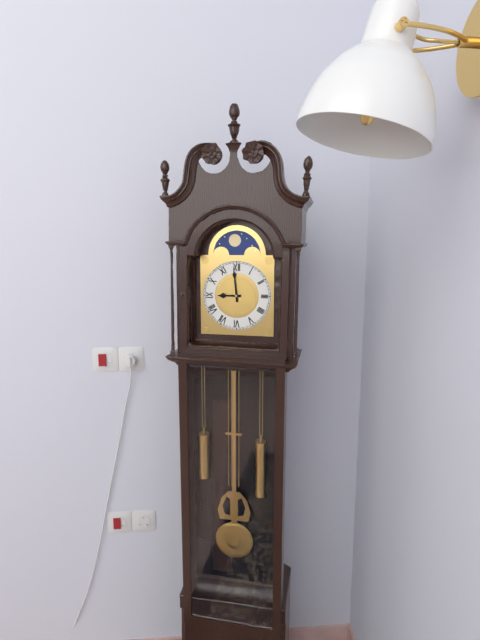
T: 8 h 59 min
